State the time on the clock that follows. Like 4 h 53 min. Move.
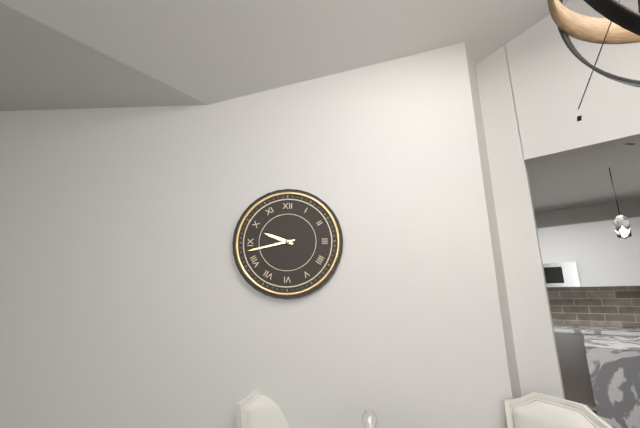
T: 9 h 43 min
